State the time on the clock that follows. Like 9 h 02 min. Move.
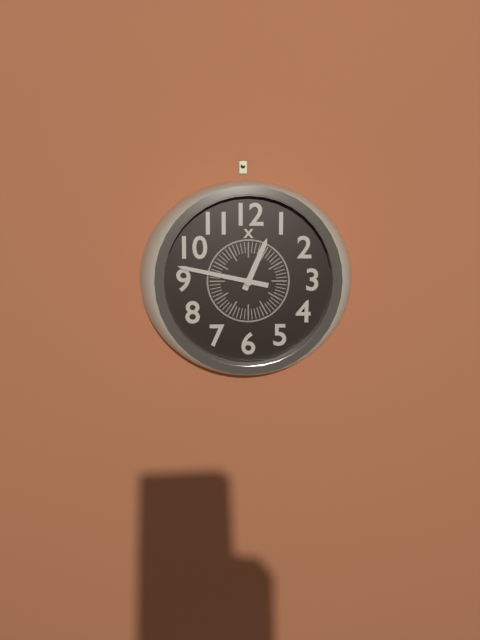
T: 12 h 47 min
